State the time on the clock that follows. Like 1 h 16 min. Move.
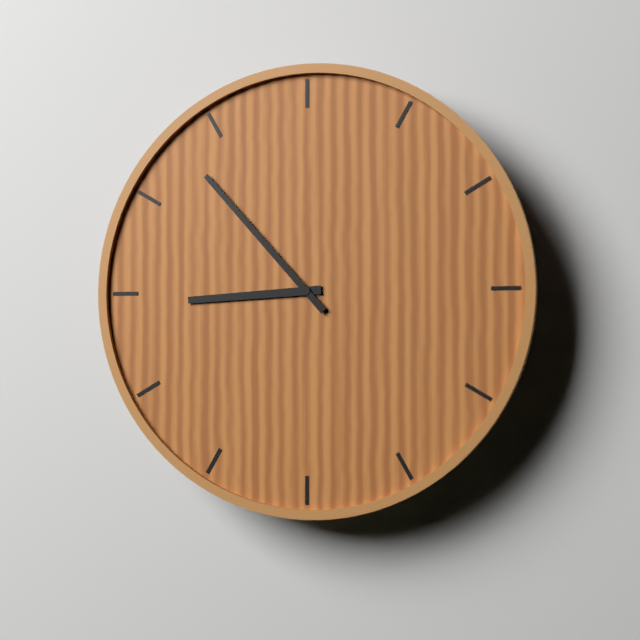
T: 8 h 53 min
